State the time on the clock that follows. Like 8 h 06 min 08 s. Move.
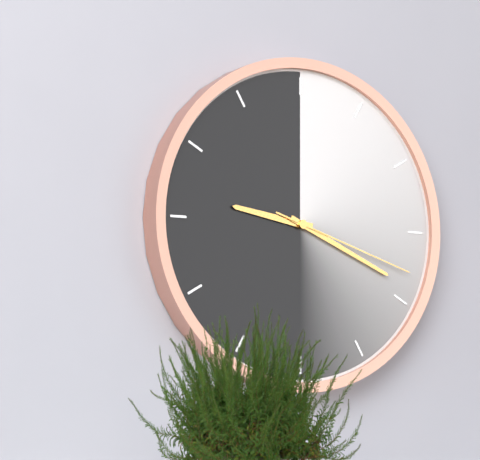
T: 9 h 19 min 18 s
